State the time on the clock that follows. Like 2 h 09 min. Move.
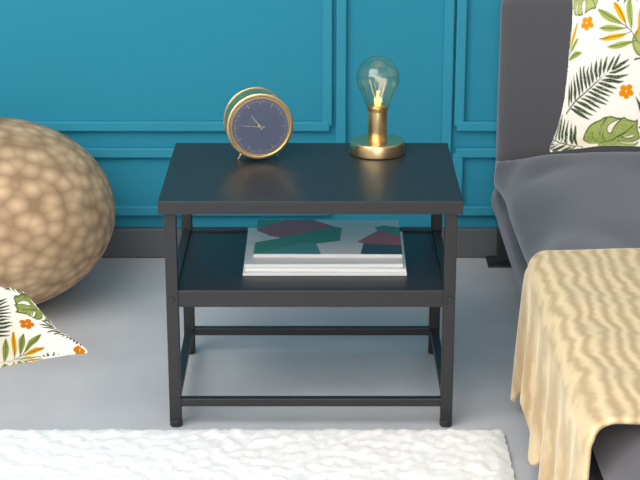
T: 10 h 46 min
